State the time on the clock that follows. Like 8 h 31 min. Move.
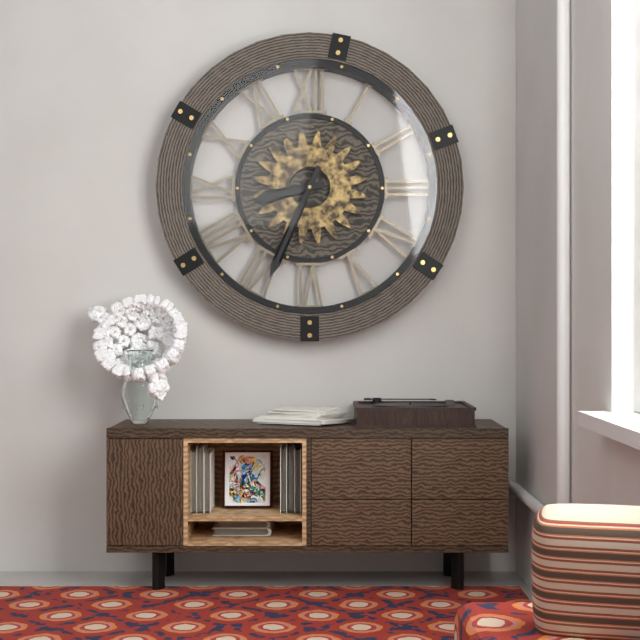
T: 8 h 34 min
